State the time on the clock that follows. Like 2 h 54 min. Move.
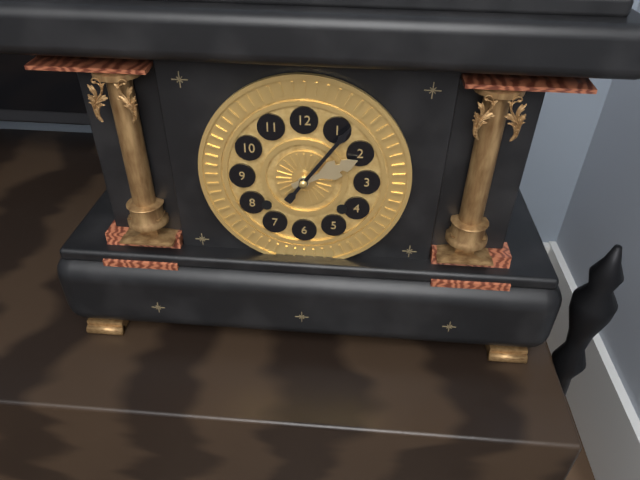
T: 2 h 06 min
